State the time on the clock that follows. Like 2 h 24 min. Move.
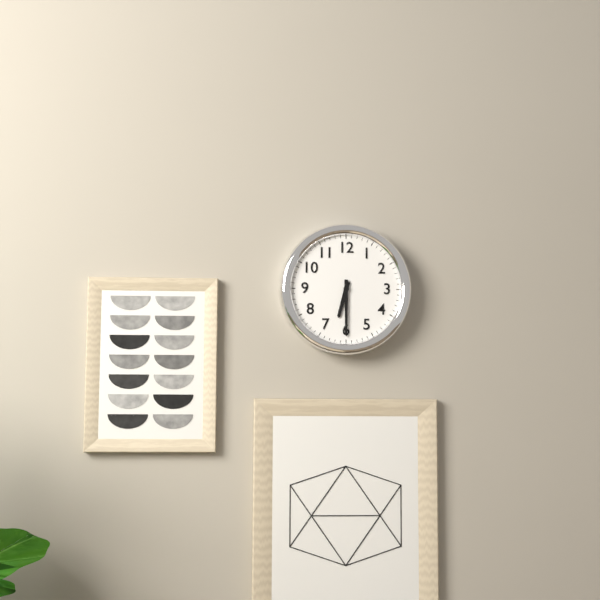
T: 6 h 30 min
